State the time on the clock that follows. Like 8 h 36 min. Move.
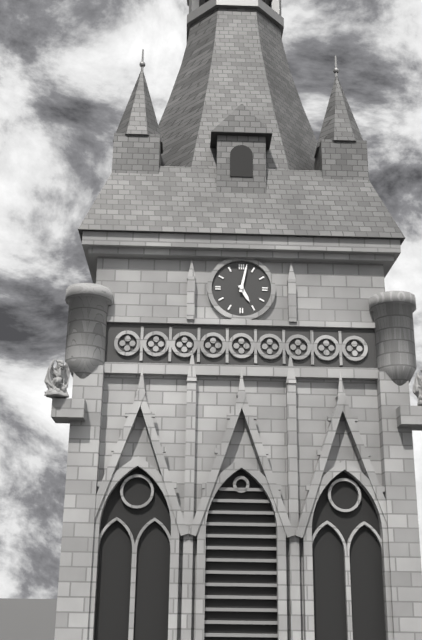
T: 5 h 02 min
